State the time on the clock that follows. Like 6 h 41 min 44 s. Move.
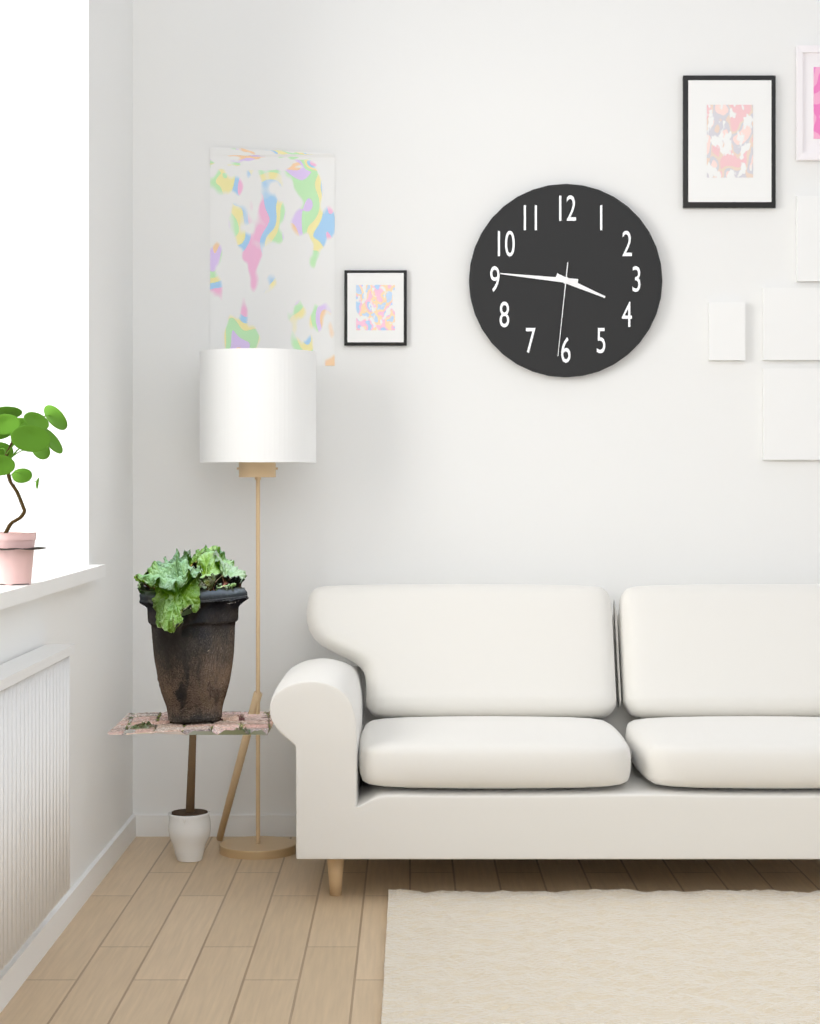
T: 3 h 46 min 31 s
